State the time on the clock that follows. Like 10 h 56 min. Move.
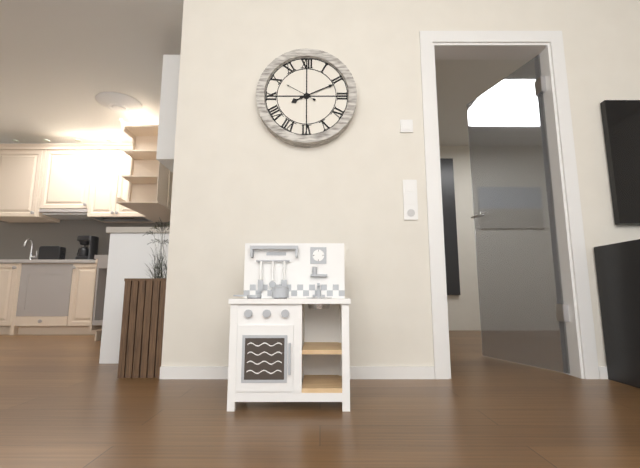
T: 8 h 11 min
